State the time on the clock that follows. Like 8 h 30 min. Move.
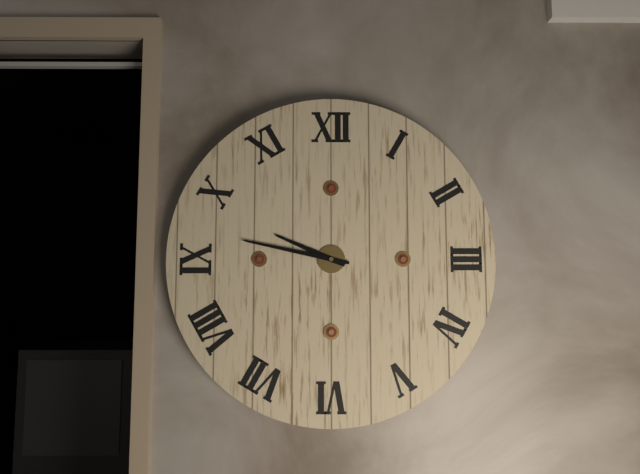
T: 9 h 47 min
